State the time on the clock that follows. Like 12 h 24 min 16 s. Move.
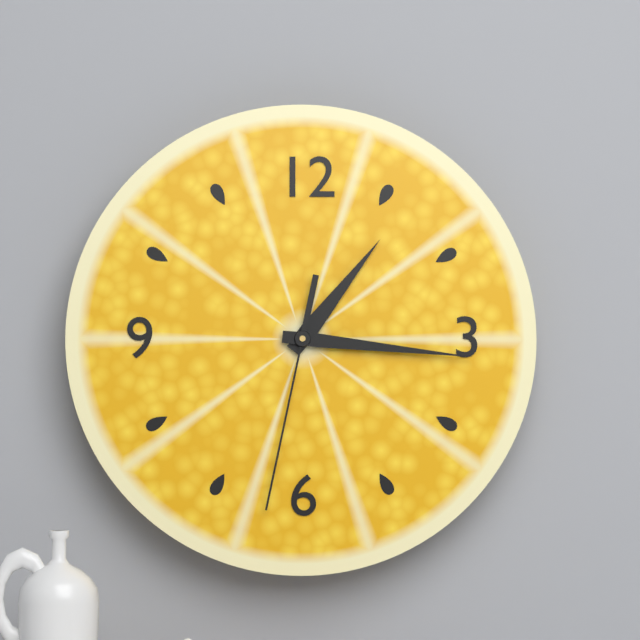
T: 1 h 16 min 32 s
